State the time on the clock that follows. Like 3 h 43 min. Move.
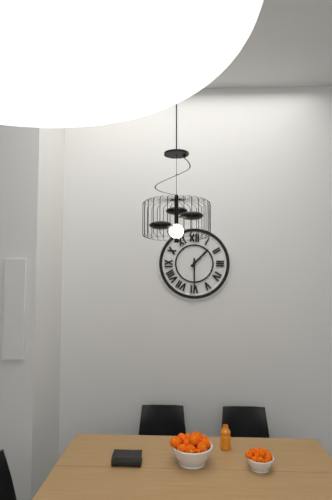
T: 1 h 30 min
